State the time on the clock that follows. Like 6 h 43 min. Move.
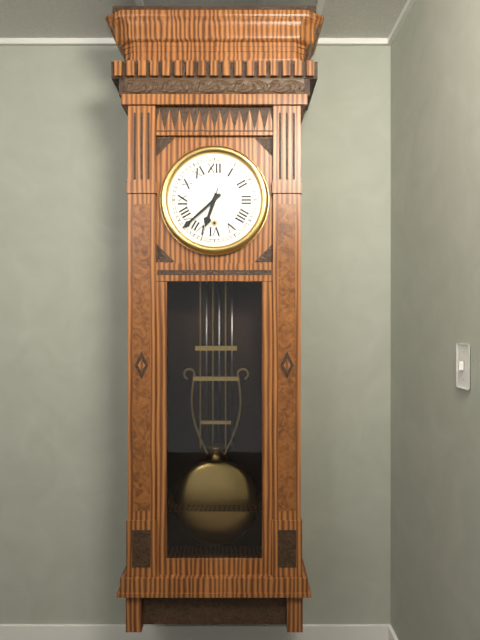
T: 6 h 38 min
